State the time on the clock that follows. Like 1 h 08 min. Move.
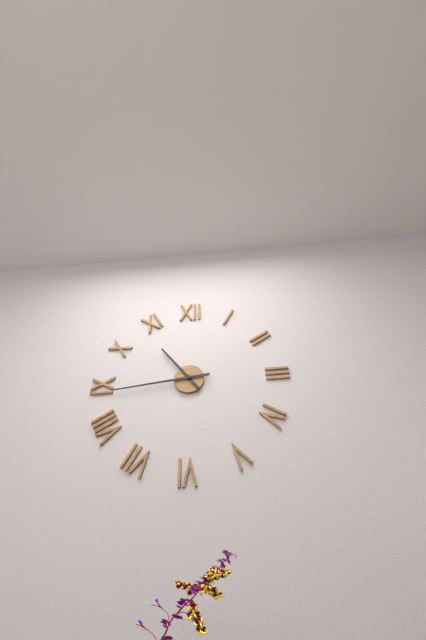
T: 10 h 44 min
